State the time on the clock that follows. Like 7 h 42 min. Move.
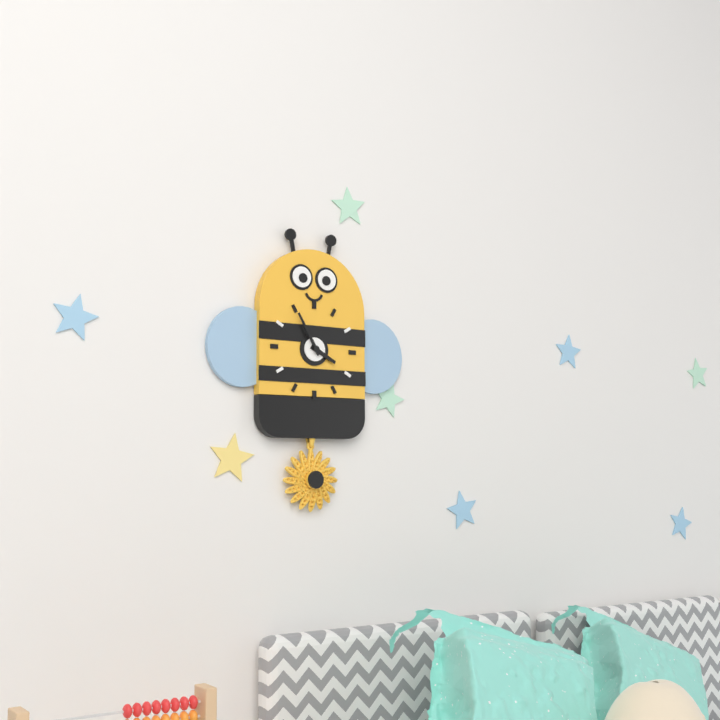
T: 3 h 55 min
